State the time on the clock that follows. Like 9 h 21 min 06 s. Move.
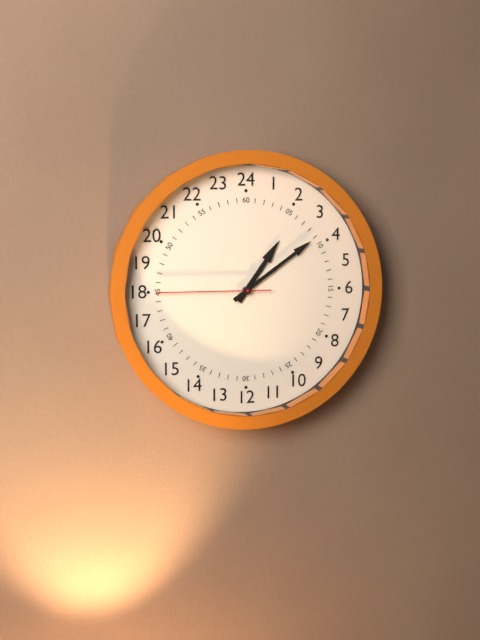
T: 1 h 09 min 45 s
